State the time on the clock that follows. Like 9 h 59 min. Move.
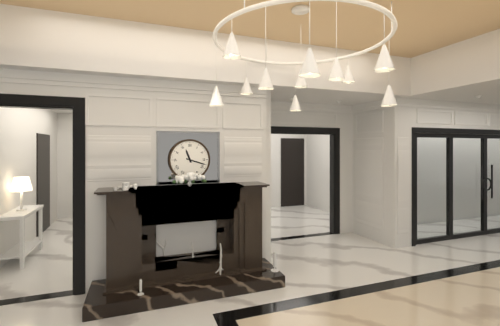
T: 11 h 18 min
